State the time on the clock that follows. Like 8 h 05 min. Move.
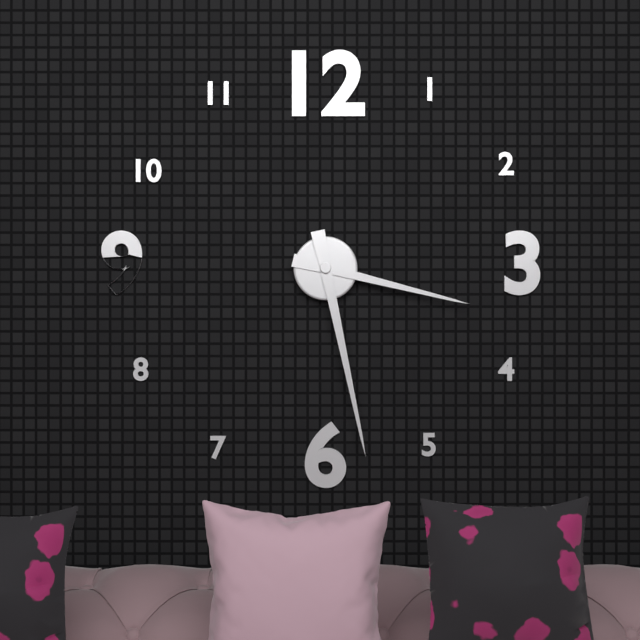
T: 3 h 28 min
